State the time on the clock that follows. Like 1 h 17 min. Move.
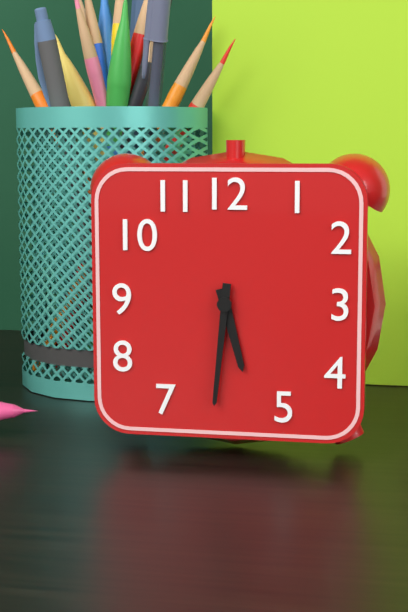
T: 5 h 31 min
